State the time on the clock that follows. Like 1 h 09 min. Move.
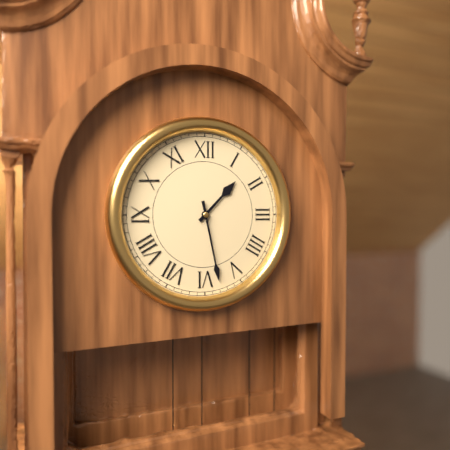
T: 1 h 28 min
